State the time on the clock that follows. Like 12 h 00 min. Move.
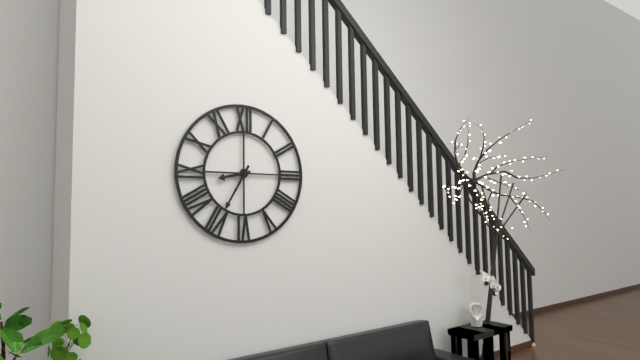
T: 8 h 35 min
